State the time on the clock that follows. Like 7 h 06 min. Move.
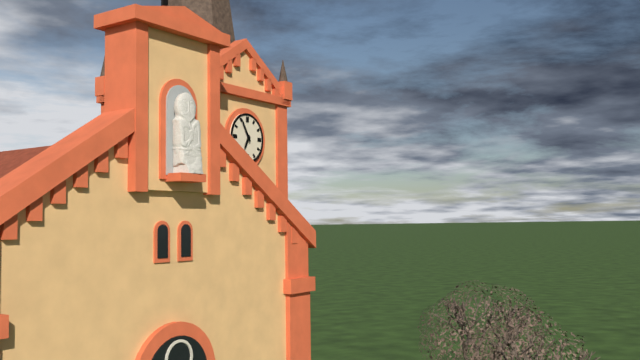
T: 6 h 55 min
